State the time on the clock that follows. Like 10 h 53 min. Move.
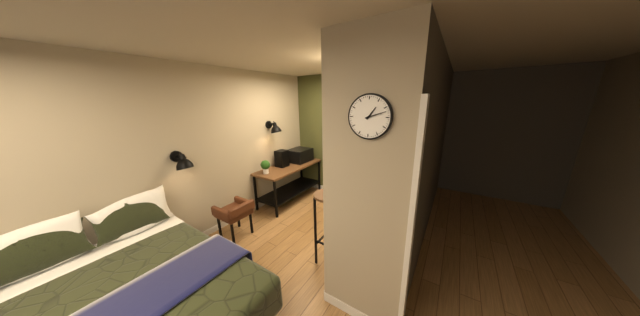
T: 1 h 12 min
